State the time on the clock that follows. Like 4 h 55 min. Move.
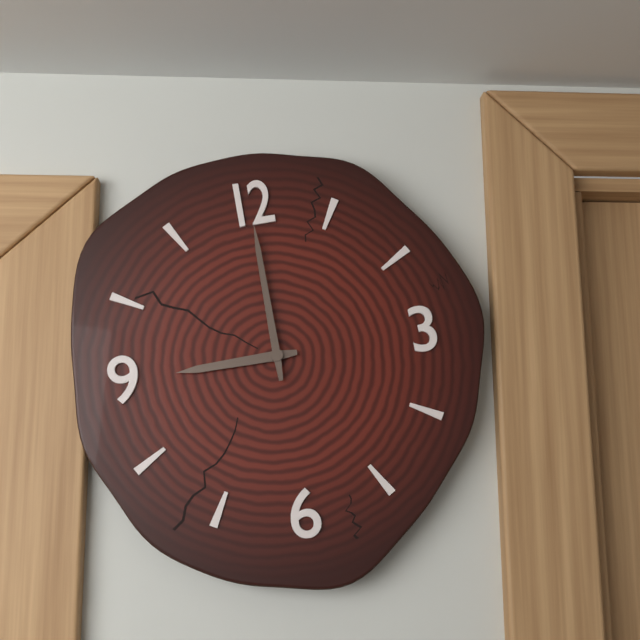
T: 9 h 00 min
